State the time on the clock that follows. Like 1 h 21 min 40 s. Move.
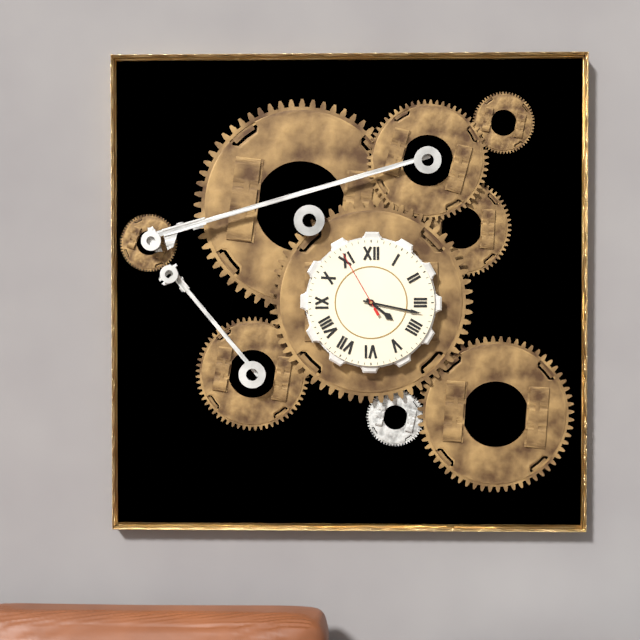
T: 4 h 17 min 55 s
